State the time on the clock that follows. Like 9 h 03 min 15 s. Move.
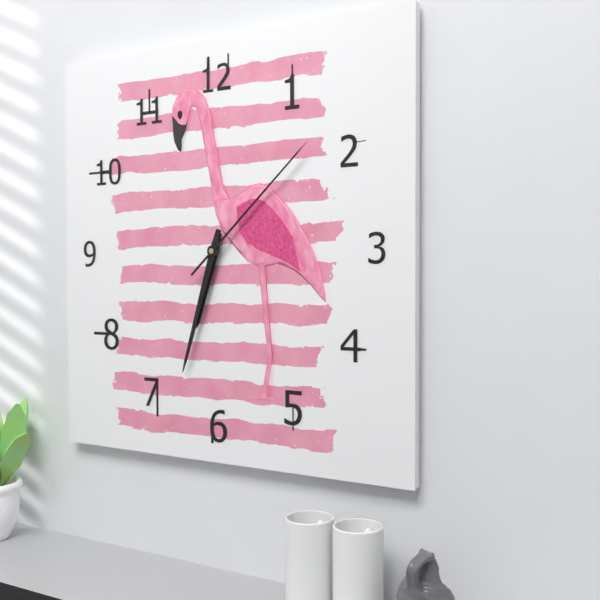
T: 6 h 33 min 08 s
